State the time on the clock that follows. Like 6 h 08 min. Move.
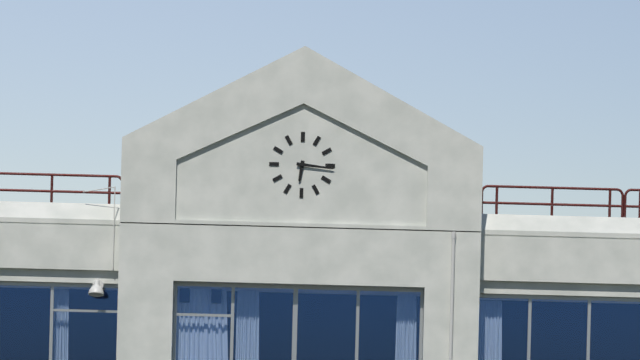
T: 6 h 16 min
